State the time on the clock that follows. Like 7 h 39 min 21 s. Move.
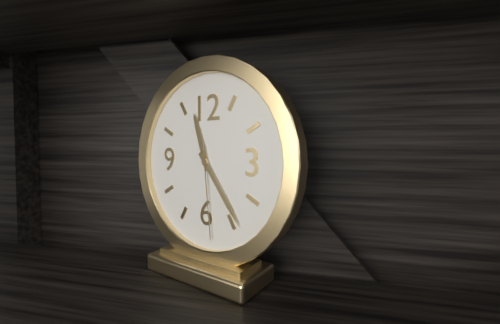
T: 11 h 24 min 29 s
